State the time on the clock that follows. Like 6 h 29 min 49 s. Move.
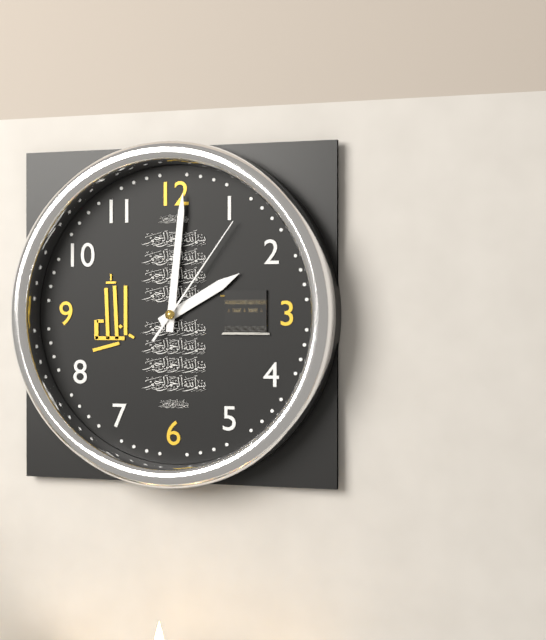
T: 2 h 01 min 06 s
